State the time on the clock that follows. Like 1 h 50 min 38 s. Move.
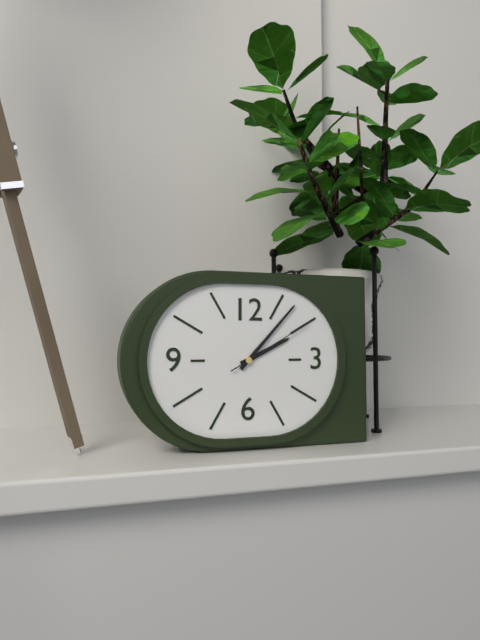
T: 2 h 07 min 10 s
